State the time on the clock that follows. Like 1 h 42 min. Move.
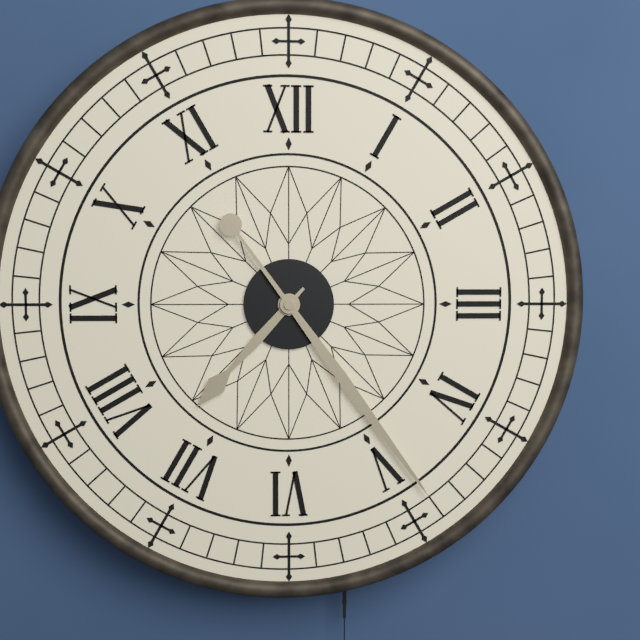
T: 7 h 24 min
